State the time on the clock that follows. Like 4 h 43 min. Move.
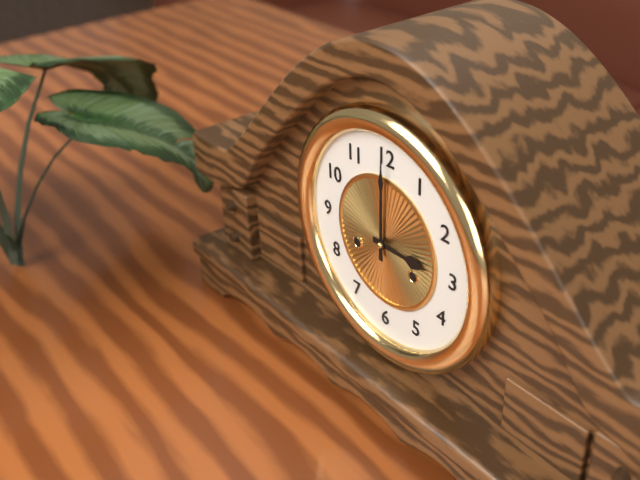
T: 3 h 00 min
